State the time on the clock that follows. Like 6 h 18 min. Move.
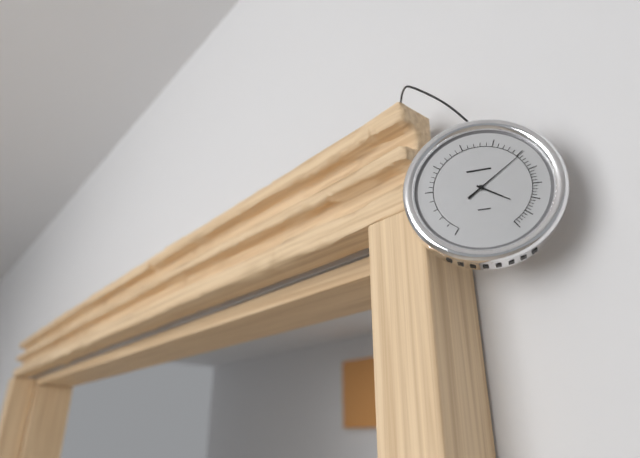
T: 4 h 09 min
